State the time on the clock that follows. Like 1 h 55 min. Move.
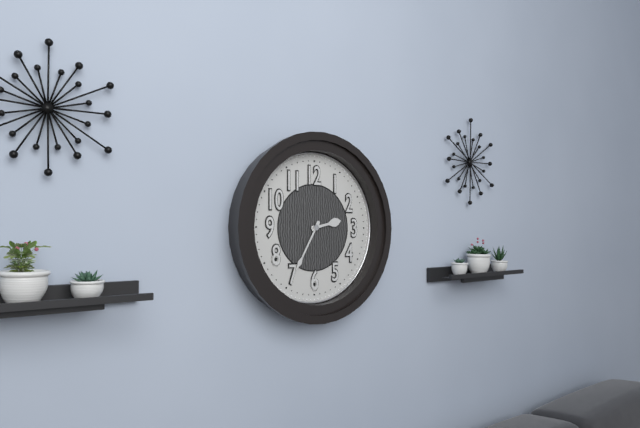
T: 2 h 35 min
